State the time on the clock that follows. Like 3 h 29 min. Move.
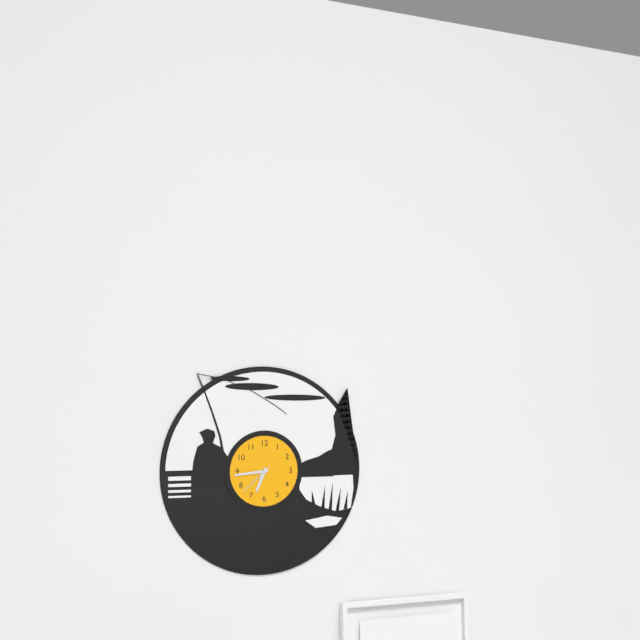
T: 6 h 44 min
